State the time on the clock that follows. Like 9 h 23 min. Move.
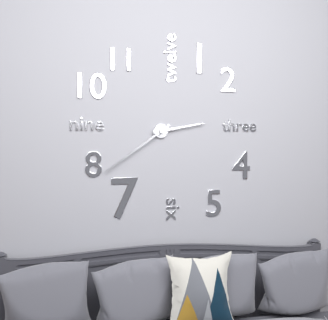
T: 2 h 39 min
